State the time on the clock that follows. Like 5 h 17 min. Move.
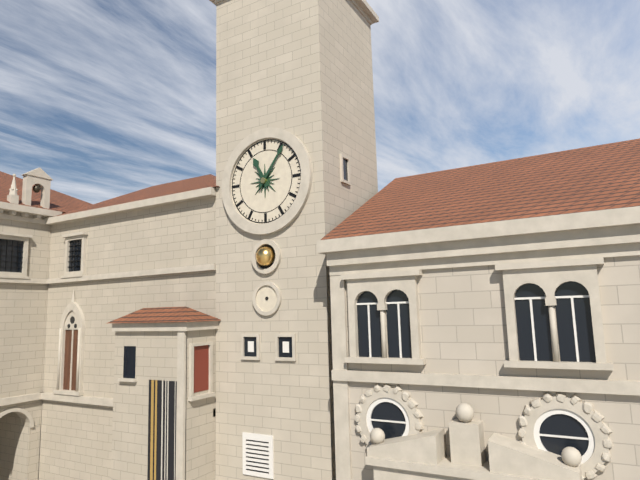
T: 11 h 06 min
